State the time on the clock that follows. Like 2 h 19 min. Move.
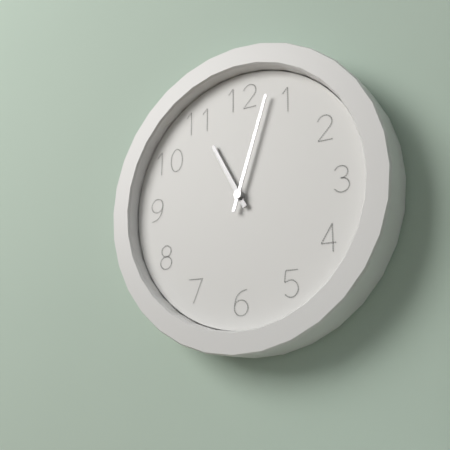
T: 11 h 03 min
